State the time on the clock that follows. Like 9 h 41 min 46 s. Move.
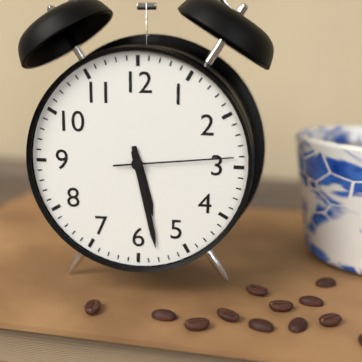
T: 5 h 28 min 14 s
